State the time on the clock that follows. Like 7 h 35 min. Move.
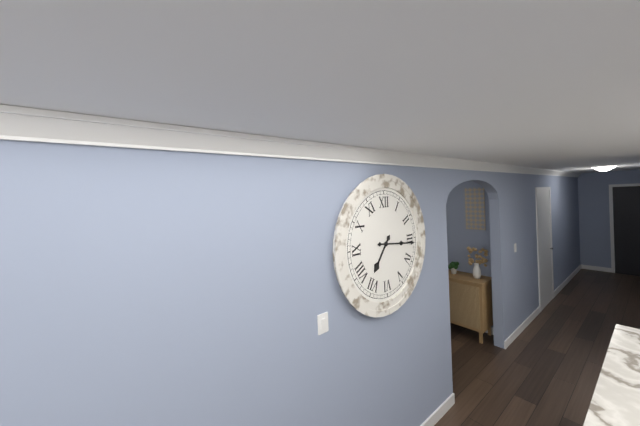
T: 7 h 16 min
